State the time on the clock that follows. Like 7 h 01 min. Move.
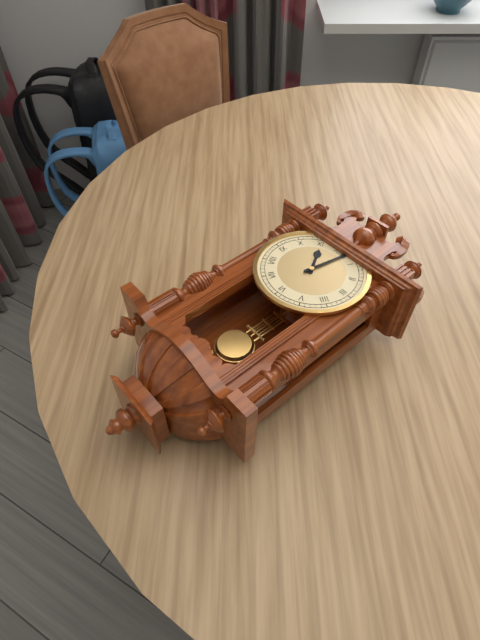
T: 11 h 02 min
